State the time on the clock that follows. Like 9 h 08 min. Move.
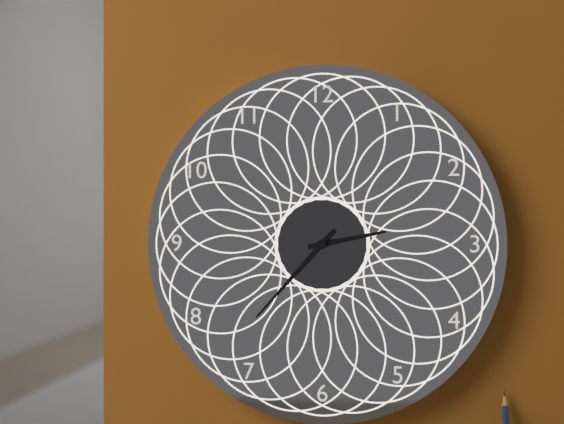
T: 2 h 37 min
